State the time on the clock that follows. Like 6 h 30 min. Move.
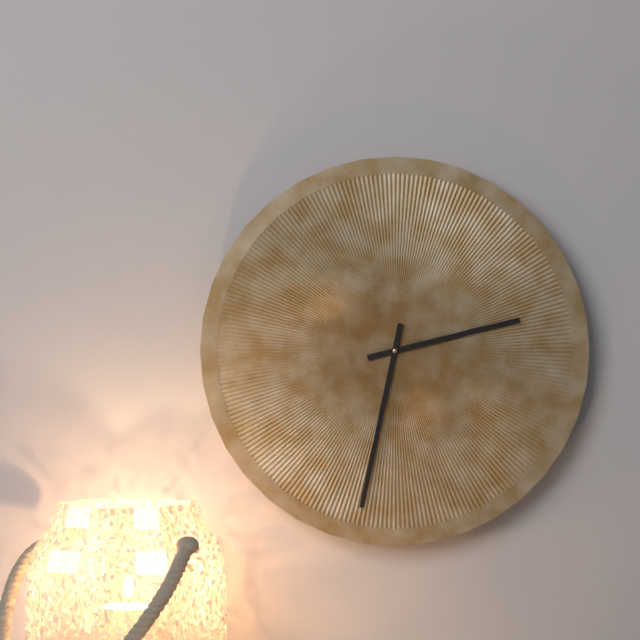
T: 2 h 32 min
